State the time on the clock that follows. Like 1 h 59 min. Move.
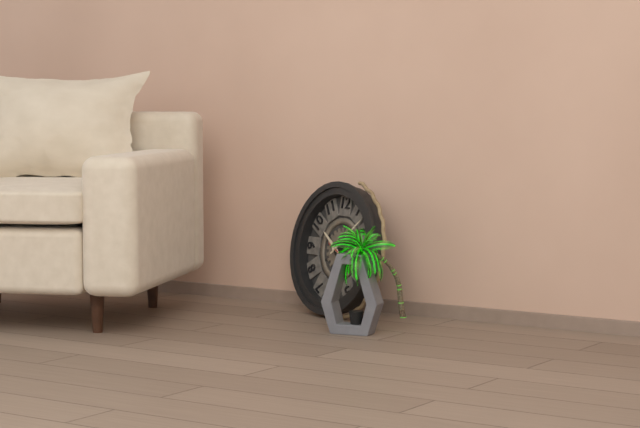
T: 10 h 08 min
